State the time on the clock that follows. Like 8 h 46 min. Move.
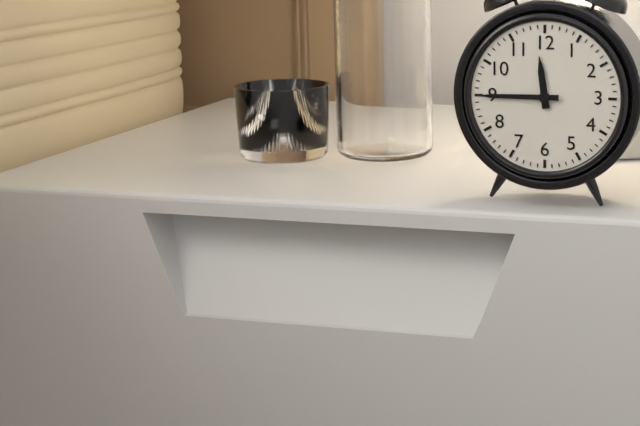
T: 11 h 45 min
